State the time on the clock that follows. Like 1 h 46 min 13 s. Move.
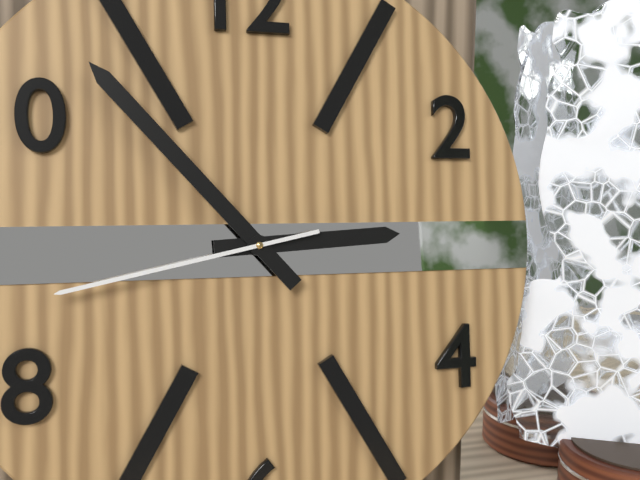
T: 2 h 53 min 43 s
